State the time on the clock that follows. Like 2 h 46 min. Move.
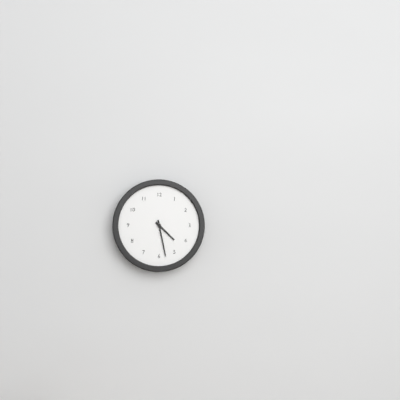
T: 4 h 28 min
